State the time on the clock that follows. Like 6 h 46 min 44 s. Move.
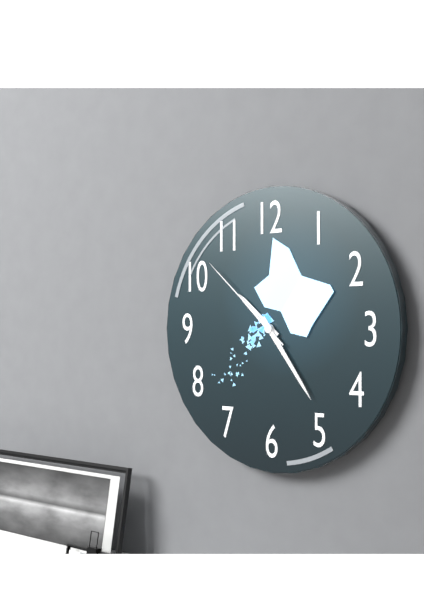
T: 10 h 24 min 52 s
